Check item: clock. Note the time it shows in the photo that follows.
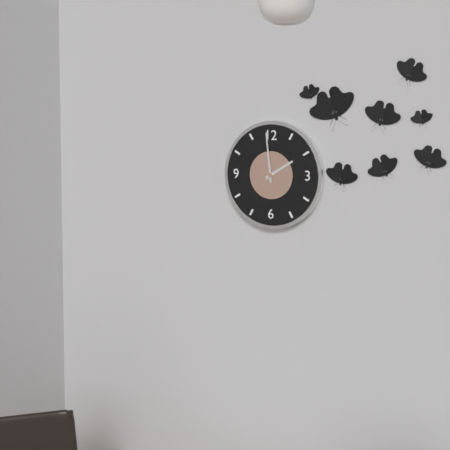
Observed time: 1:59
